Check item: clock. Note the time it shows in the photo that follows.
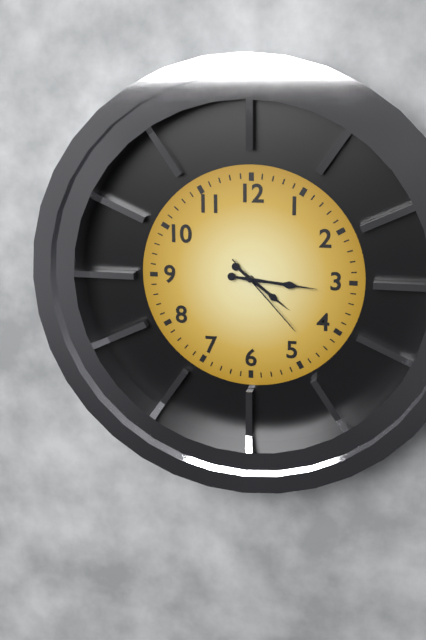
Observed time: 4:16:23
